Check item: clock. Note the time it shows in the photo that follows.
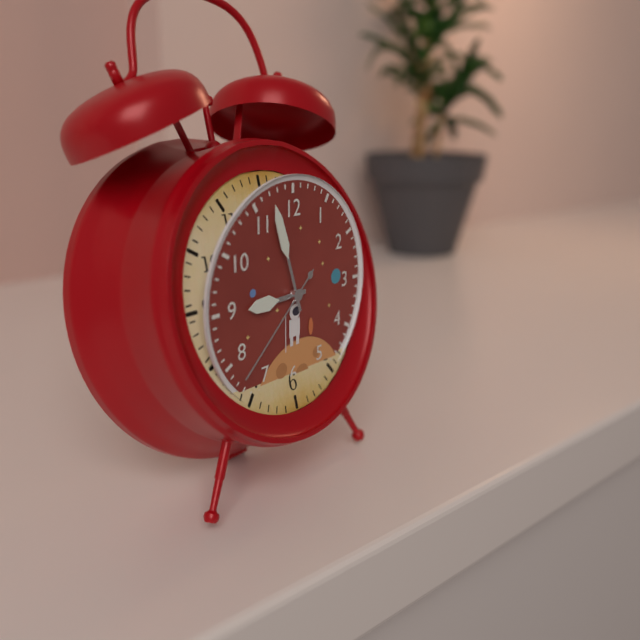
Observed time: 8:57:38
